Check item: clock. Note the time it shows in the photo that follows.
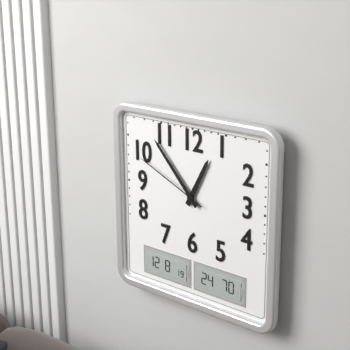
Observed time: 12:53:49
